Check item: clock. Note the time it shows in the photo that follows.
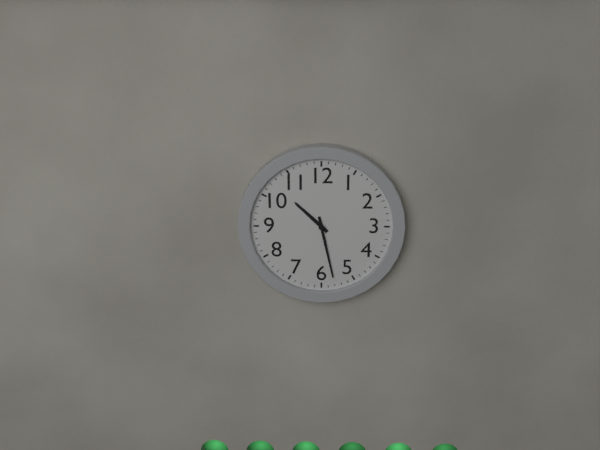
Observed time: 10:28
